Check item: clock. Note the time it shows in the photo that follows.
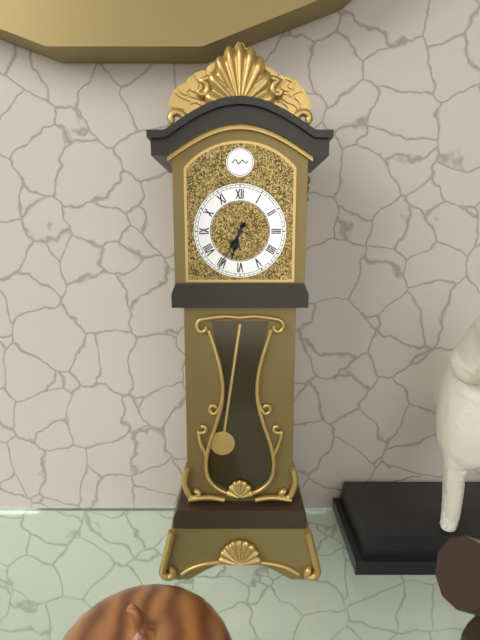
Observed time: 6:35
